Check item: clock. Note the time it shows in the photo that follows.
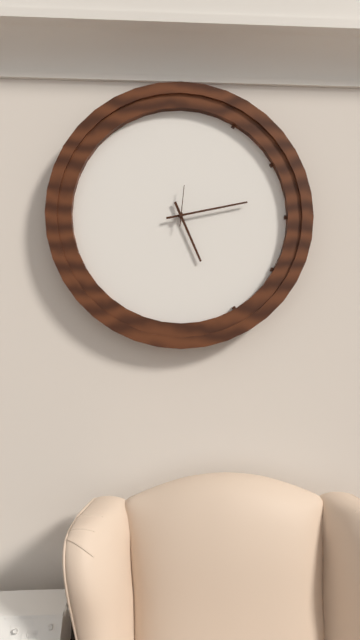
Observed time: 5:13
